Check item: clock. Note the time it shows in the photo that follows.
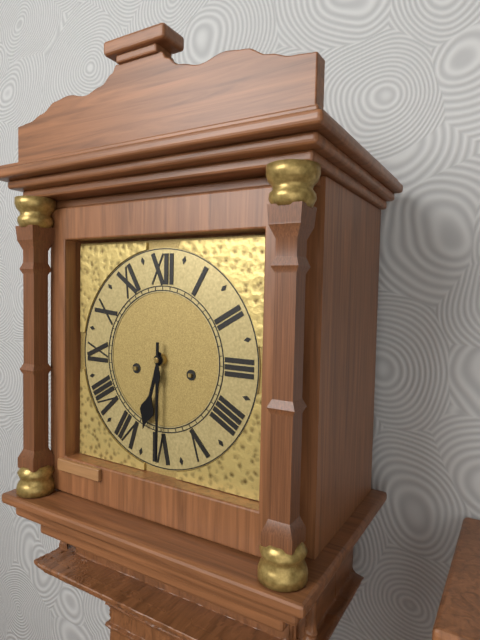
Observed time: 6:30
